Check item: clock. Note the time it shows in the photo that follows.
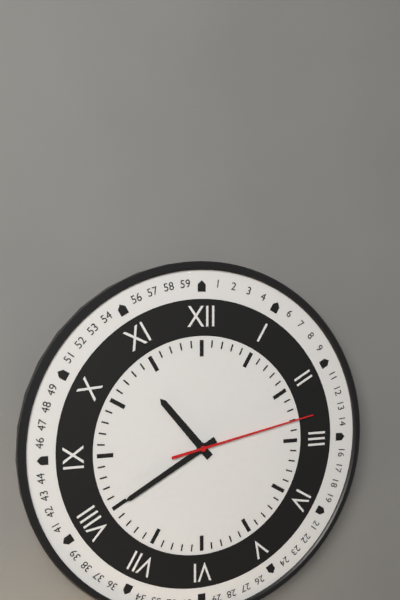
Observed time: 10:40:13
